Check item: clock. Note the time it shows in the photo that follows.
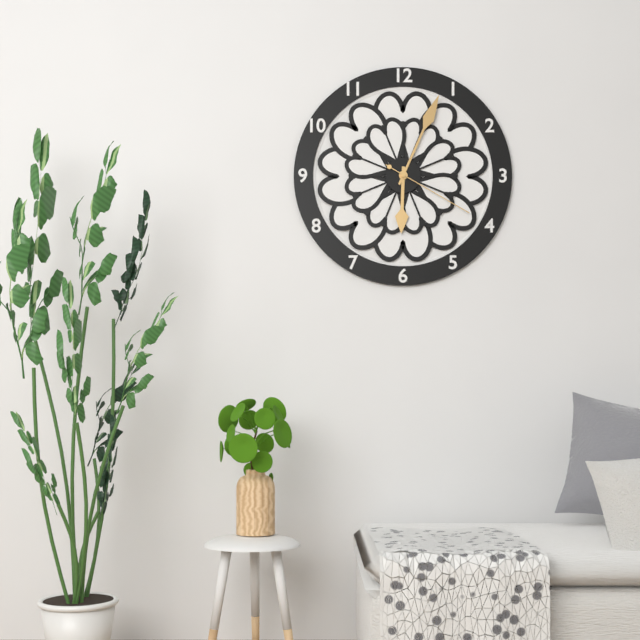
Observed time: 6:04:20
